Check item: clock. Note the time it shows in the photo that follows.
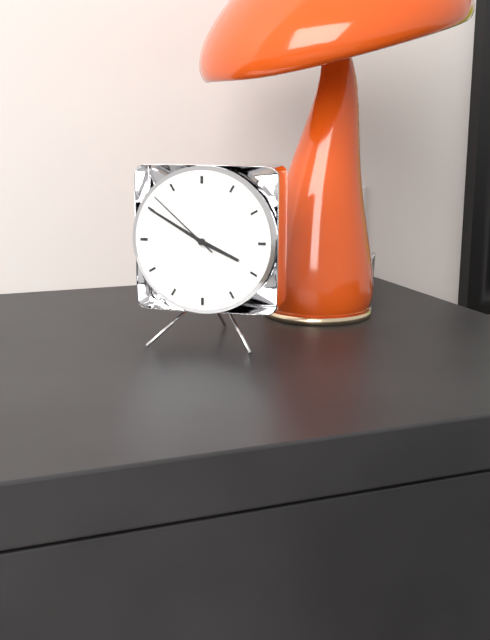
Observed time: 3:50:52
